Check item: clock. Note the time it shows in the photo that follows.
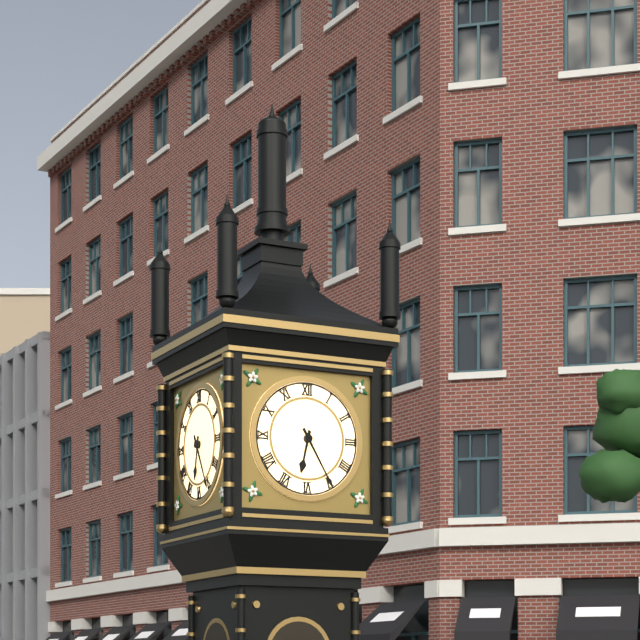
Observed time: 6:25
